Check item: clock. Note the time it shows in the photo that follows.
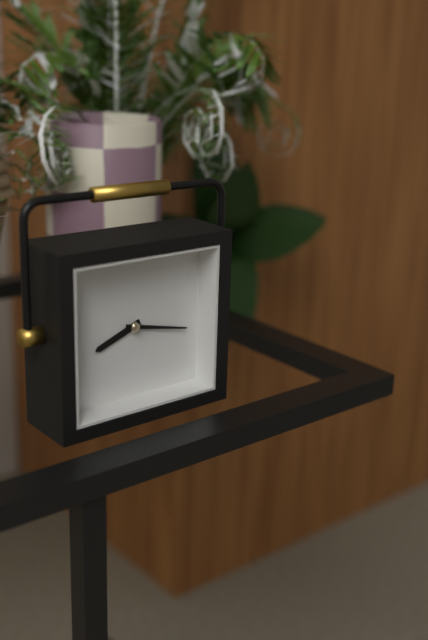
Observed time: 8:17
